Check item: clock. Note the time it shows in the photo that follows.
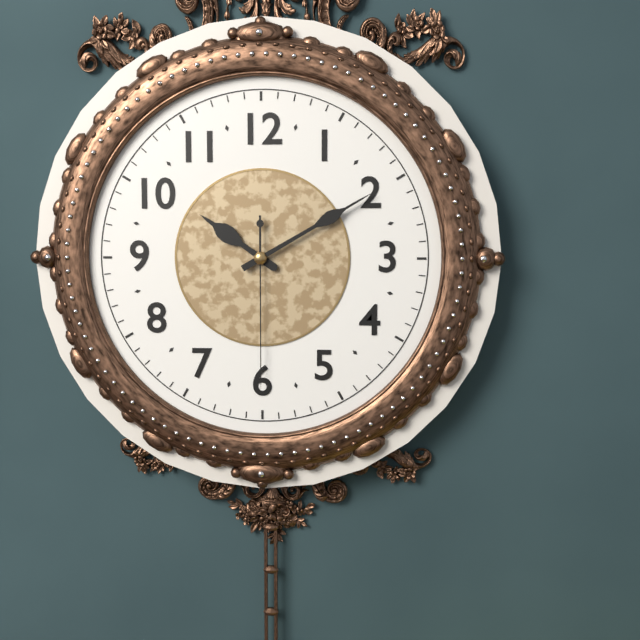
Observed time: 10:10:30
